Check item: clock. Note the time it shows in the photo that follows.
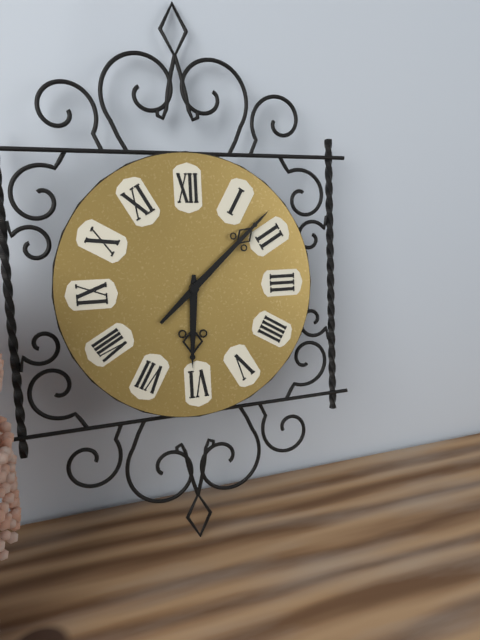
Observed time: 6:08
